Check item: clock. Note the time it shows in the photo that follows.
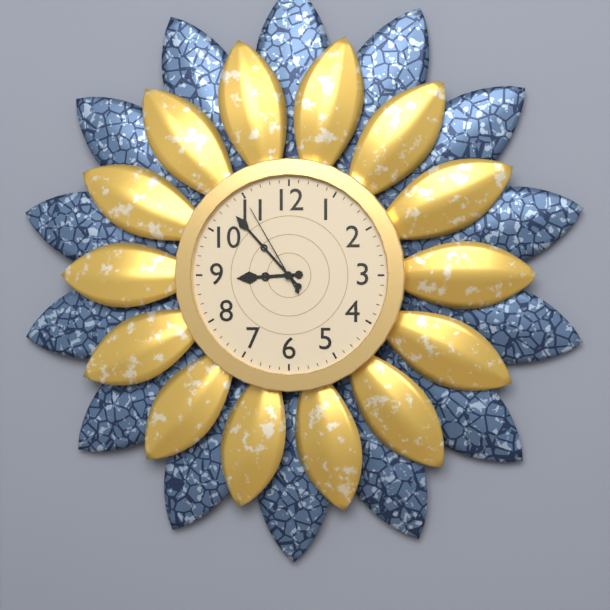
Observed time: 8:53:55
